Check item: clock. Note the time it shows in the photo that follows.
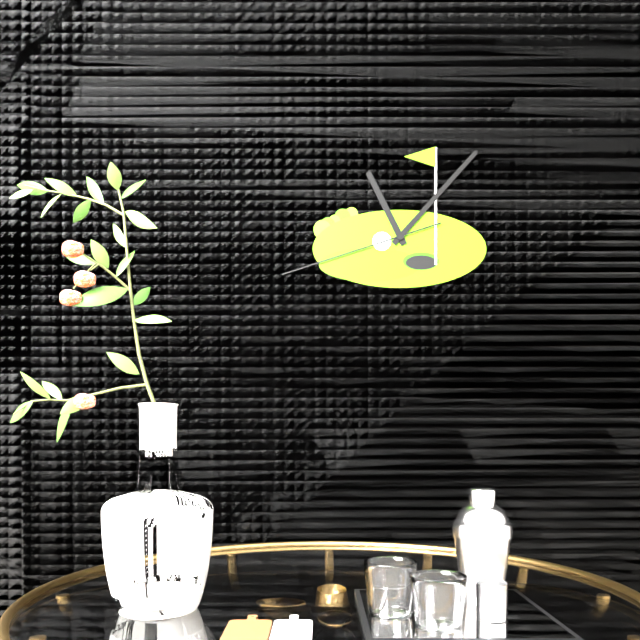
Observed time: 11:07:42
